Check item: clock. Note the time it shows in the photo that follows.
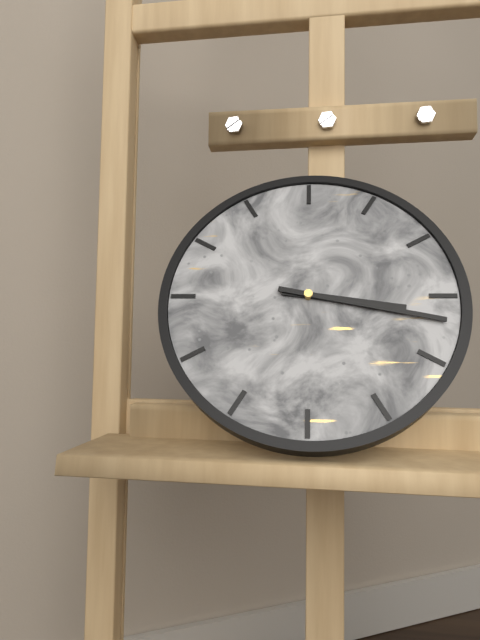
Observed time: 3:17
